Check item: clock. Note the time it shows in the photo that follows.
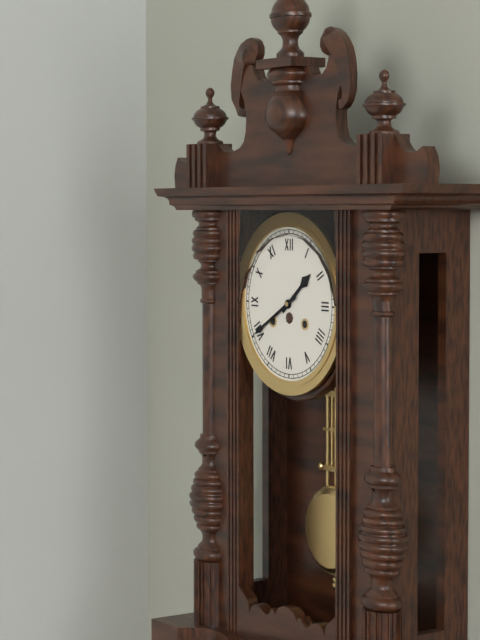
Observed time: 1:40
